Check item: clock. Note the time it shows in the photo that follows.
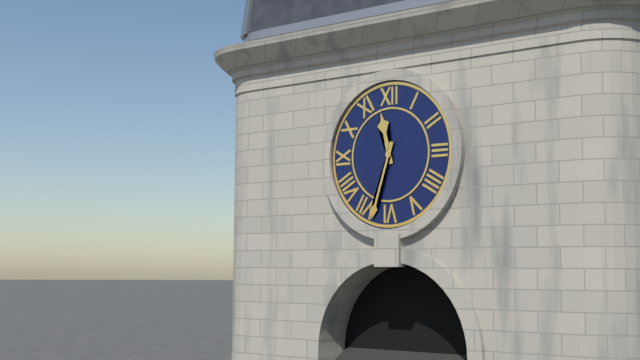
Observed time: 11:33
